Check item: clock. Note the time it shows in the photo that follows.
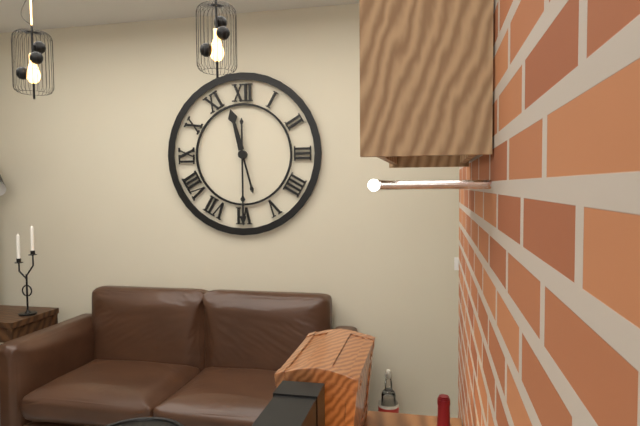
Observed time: 11:30
